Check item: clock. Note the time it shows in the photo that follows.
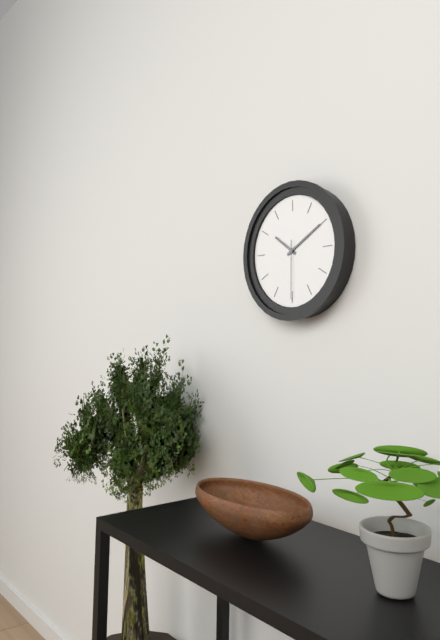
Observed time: 10:10:30
